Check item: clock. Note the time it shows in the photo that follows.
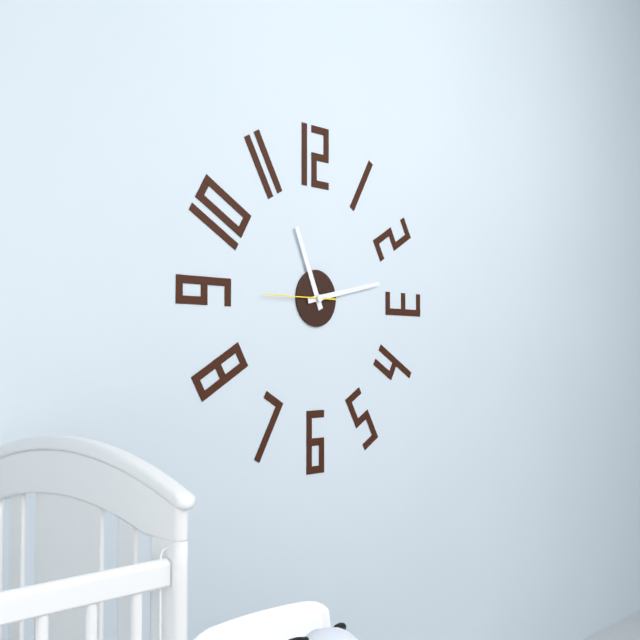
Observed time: 11:13:45
